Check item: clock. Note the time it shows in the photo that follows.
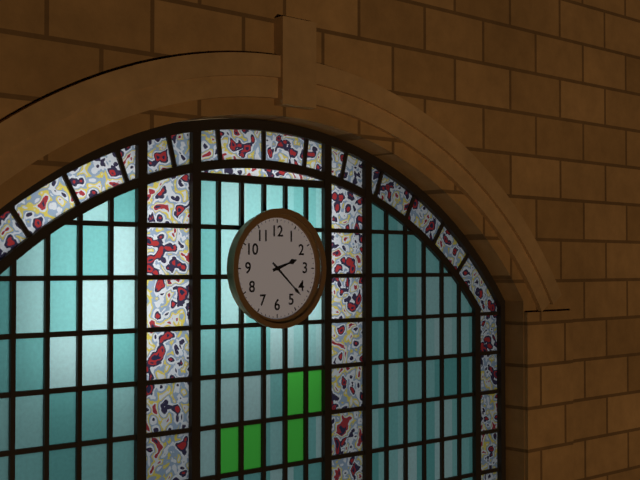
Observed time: 2:22
